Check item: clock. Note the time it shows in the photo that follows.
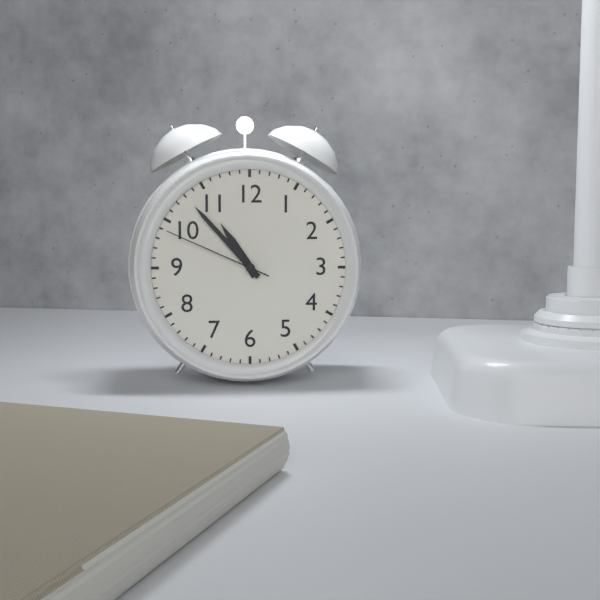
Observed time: 10:53:49
